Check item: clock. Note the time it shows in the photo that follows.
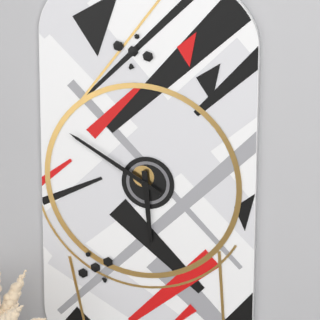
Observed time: 5:50
